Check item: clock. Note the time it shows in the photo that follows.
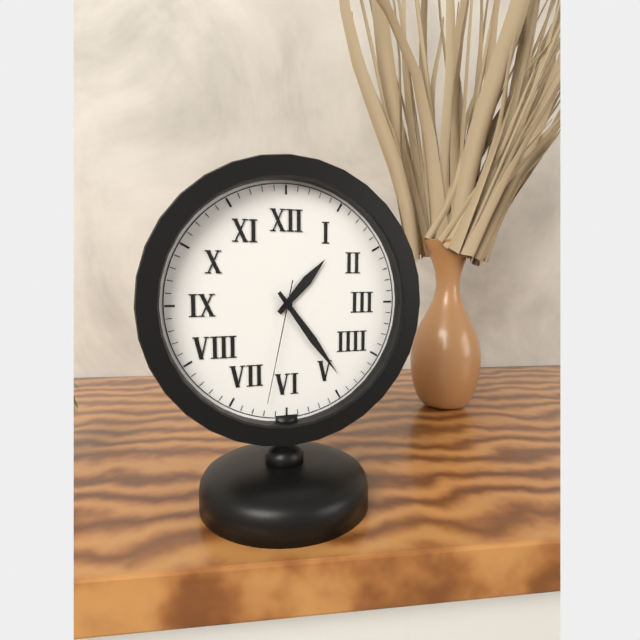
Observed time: 1:24:32
